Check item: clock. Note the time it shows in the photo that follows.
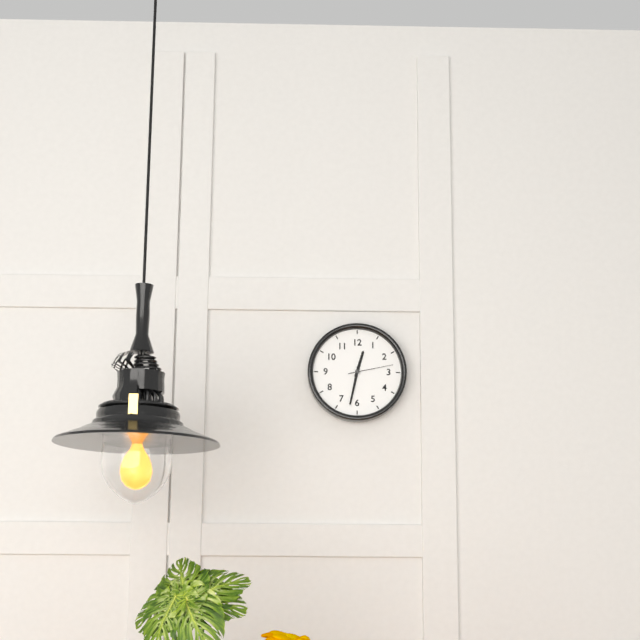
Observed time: 12:32
